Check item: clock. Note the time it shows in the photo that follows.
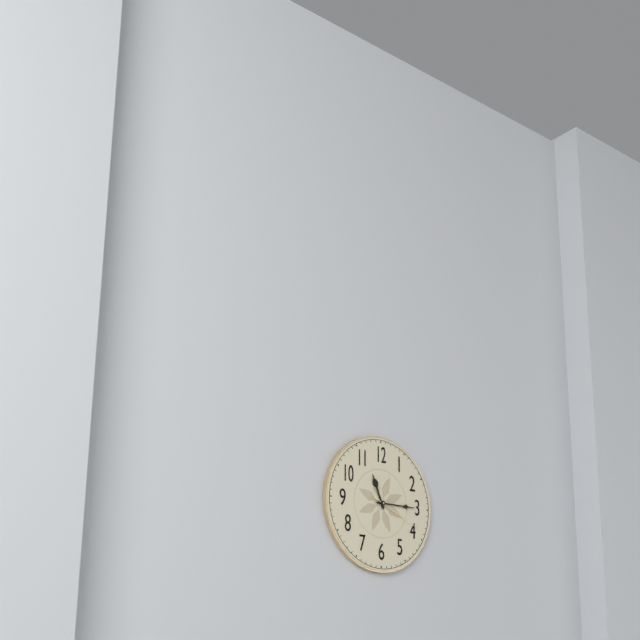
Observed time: 11:15:19
